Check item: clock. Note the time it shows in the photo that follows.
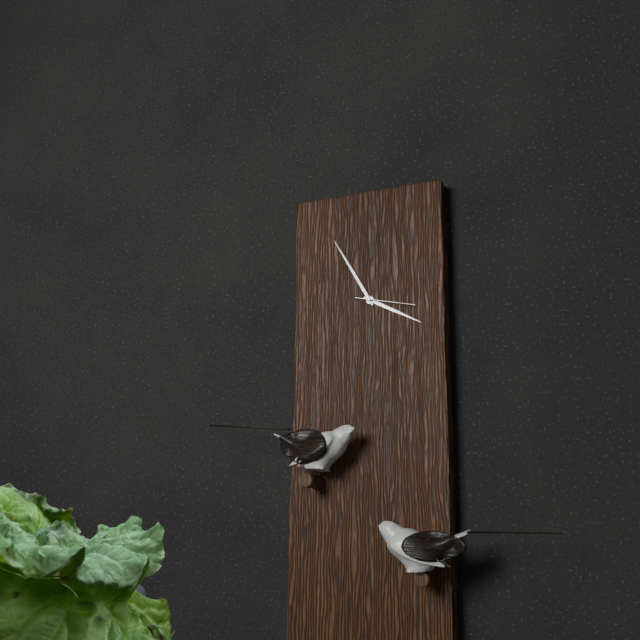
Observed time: 3:55:17
